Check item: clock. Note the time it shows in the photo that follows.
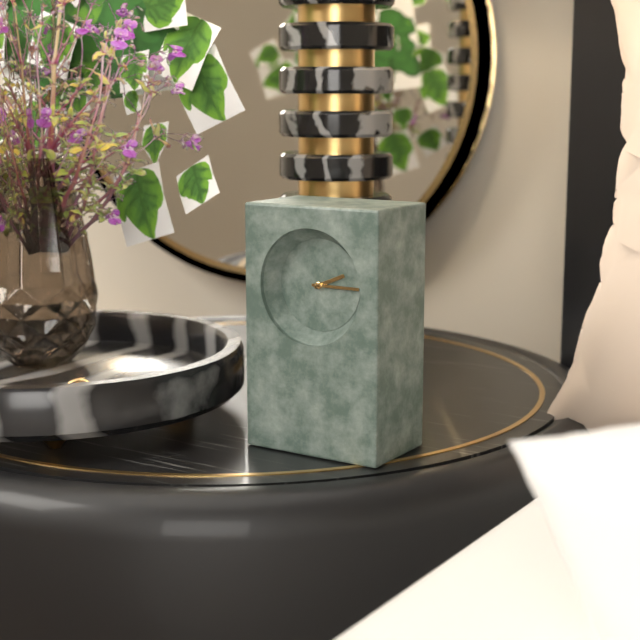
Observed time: 2:15
